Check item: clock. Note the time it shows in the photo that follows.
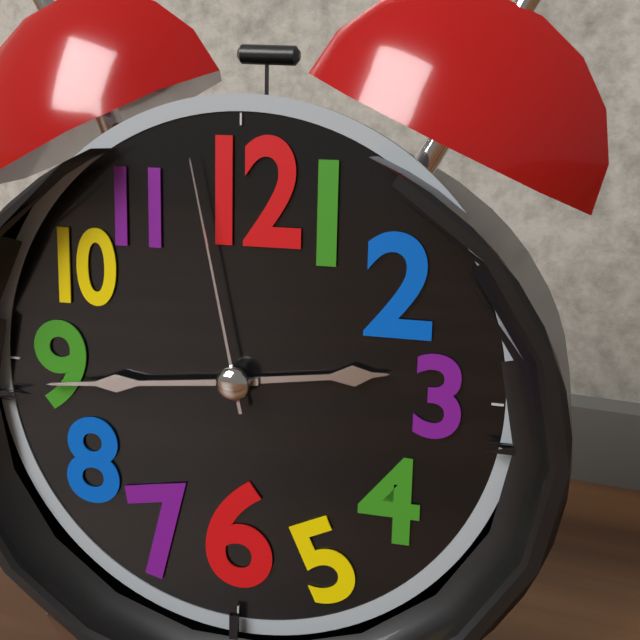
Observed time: 2:44:58
